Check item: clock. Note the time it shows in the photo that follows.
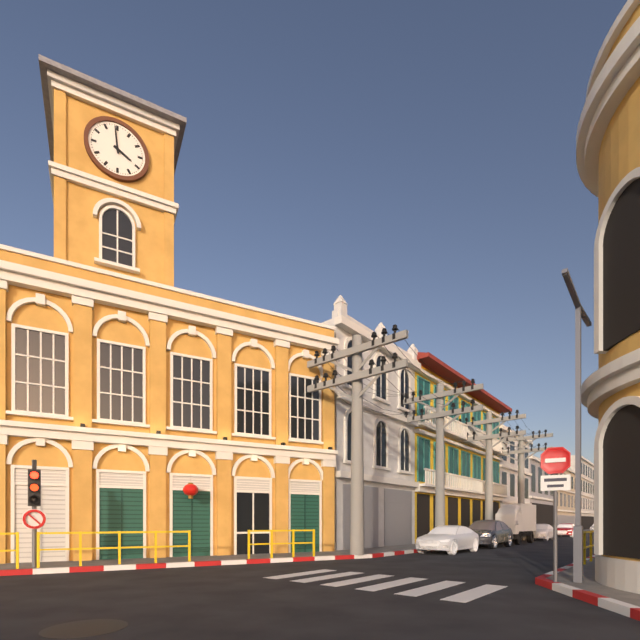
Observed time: 3:59
